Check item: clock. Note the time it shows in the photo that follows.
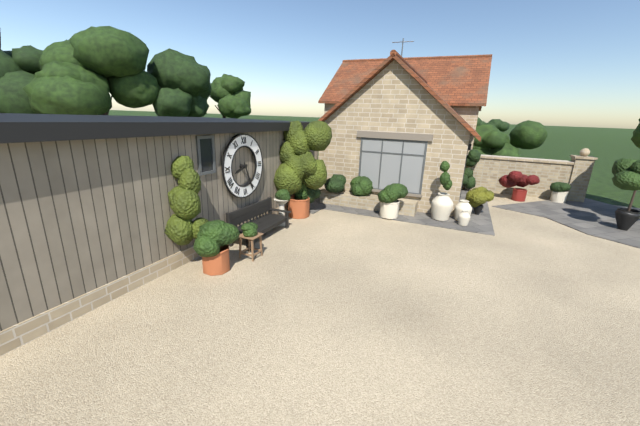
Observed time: 8:26
